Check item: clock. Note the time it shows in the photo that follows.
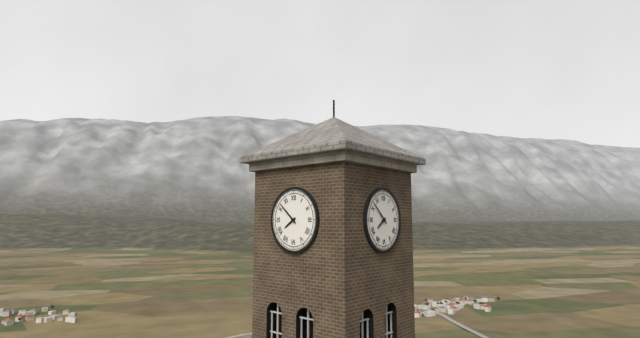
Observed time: 7:52
